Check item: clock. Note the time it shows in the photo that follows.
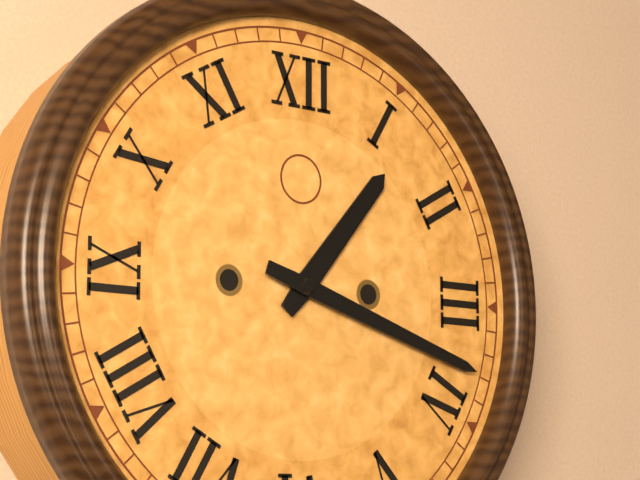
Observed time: 1:18
